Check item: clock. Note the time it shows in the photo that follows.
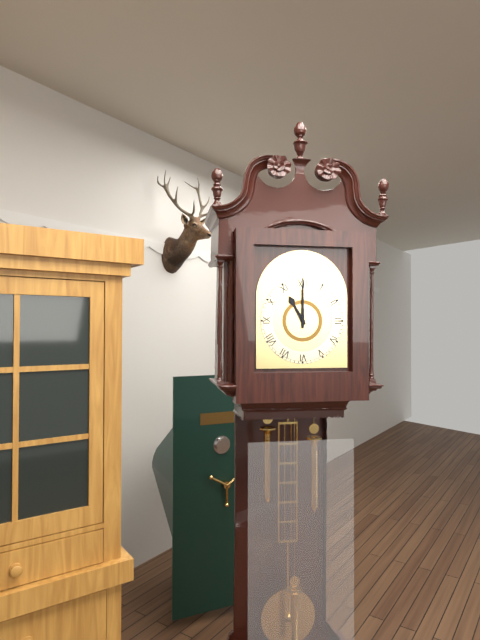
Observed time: 11:00
